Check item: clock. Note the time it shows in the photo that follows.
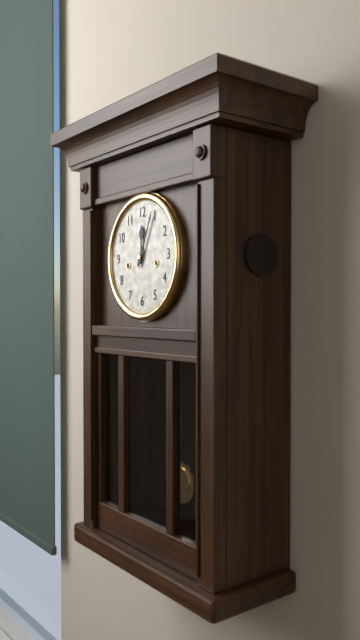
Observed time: 12:04
